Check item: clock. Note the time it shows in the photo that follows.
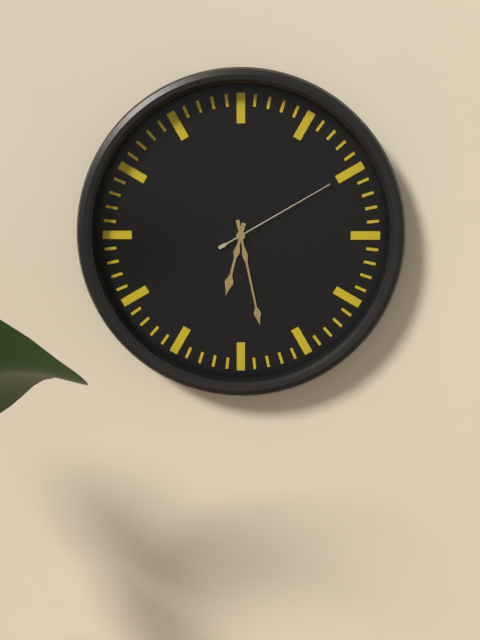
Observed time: 6:28:10
